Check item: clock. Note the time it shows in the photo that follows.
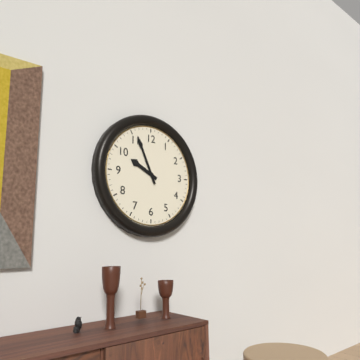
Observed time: 9:56
